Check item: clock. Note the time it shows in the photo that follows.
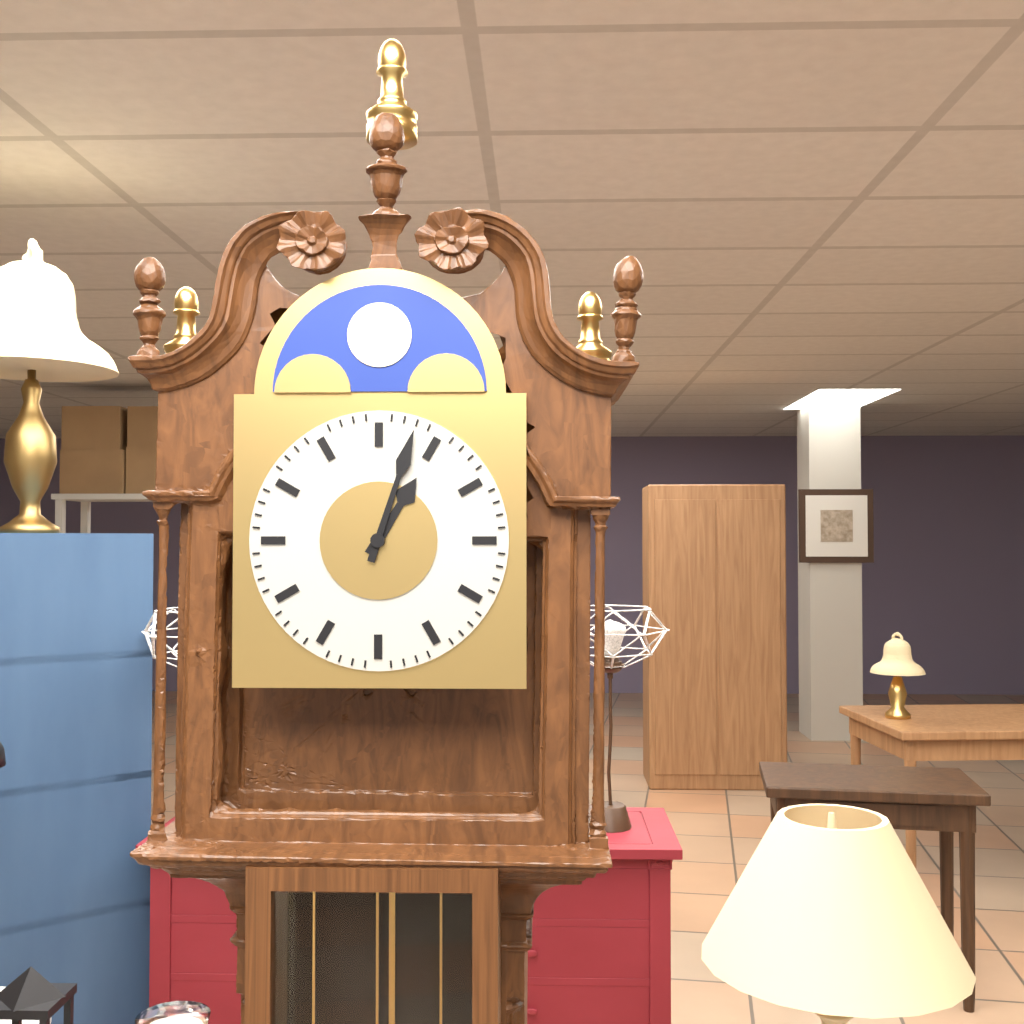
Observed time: 1:03
